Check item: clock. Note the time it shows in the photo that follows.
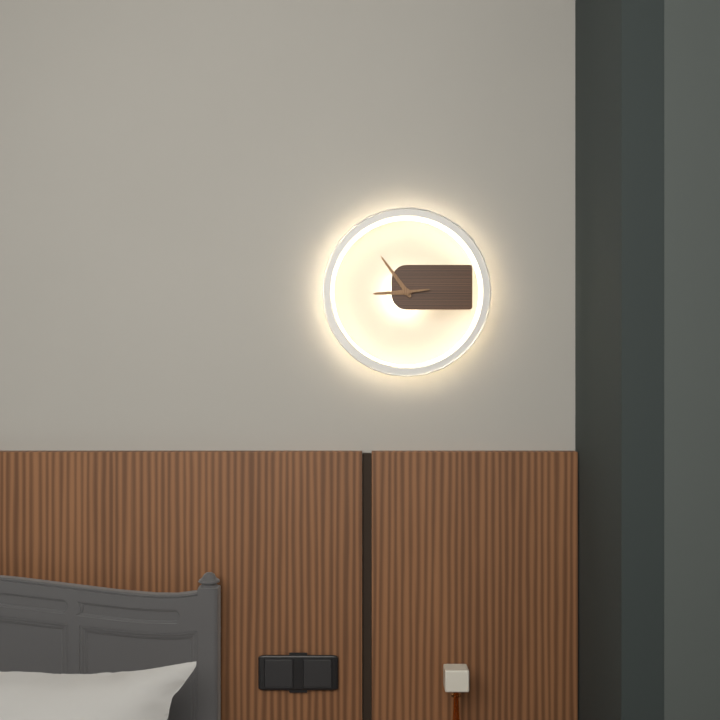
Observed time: 8:54
